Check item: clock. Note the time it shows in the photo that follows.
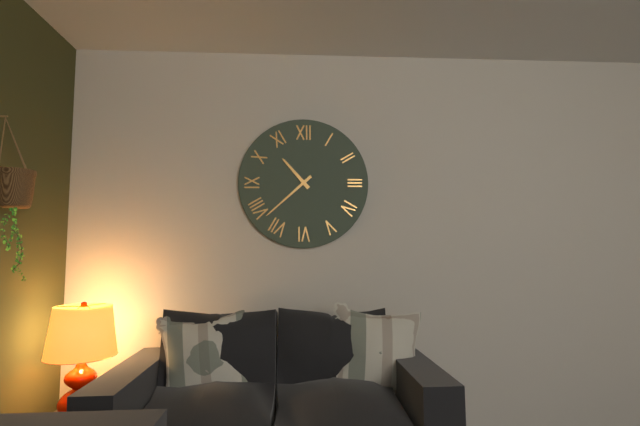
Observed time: 10:38
